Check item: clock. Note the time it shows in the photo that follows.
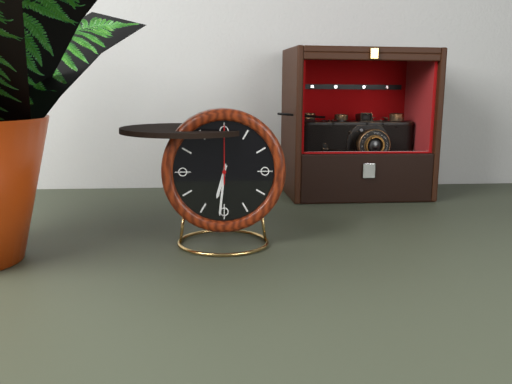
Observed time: 6:31:00
